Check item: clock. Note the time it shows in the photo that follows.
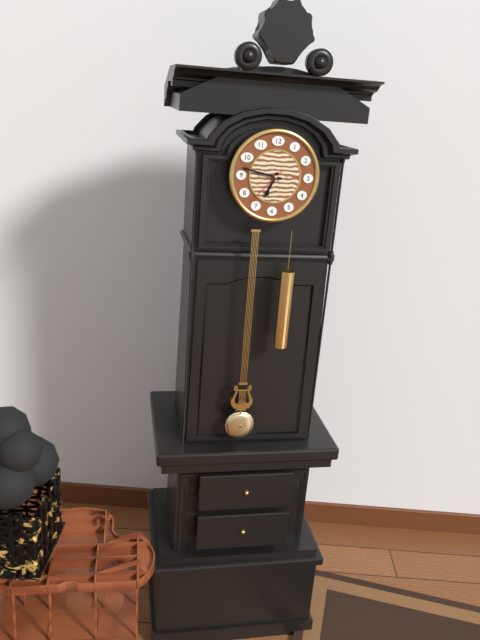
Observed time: 6:47
